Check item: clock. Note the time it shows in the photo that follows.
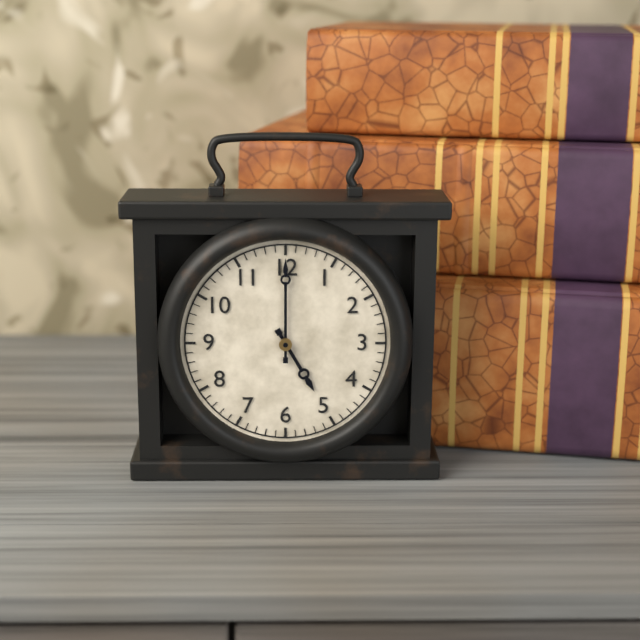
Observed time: 5:00
